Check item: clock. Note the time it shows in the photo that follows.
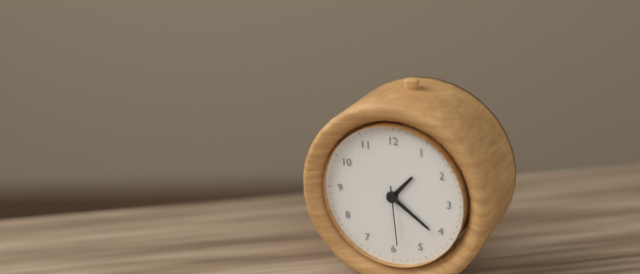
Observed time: 1:21:29
